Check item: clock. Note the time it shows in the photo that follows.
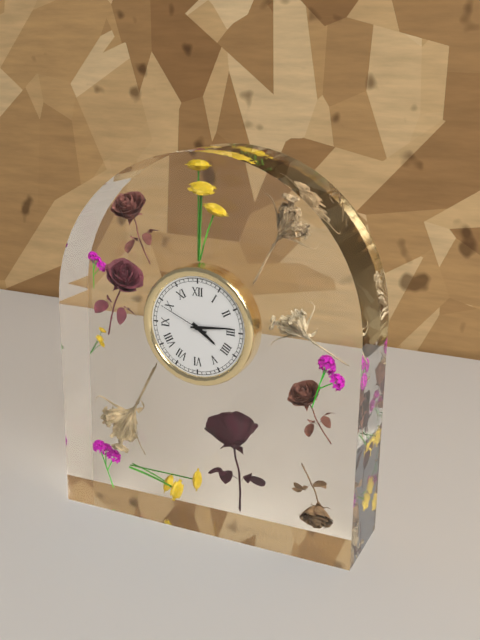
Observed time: 4:14:49
